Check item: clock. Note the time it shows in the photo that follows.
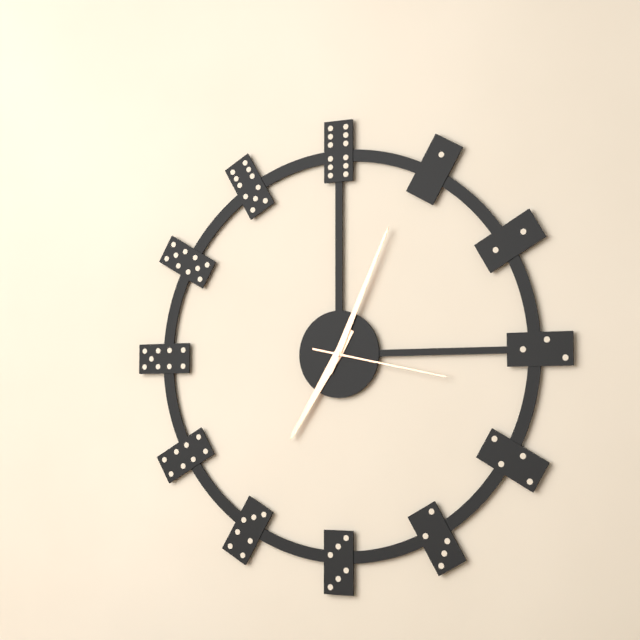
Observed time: 7:04:17
